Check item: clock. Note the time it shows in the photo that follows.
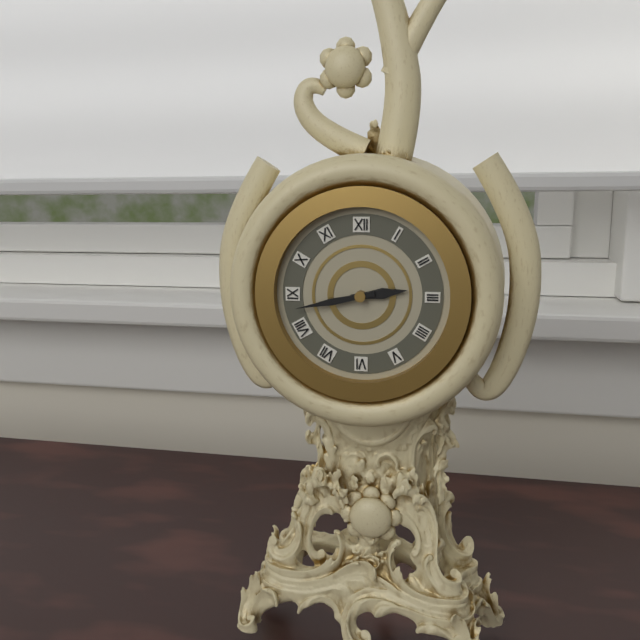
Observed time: 2:43
